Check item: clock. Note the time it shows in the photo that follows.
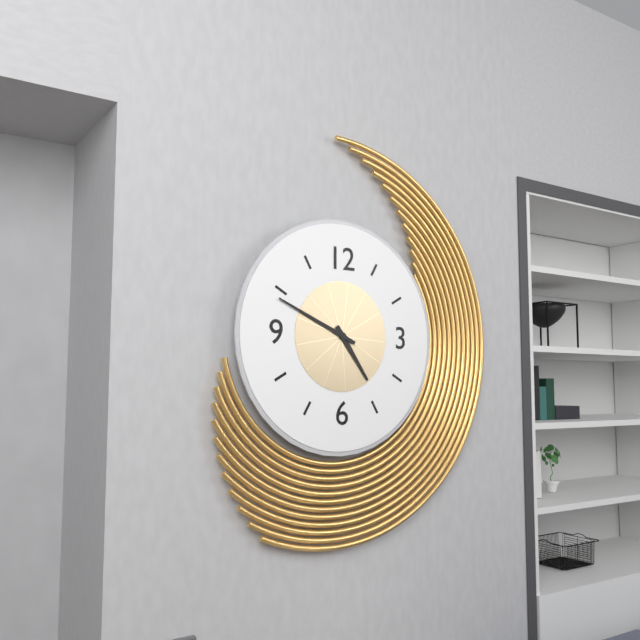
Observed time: 4:49
